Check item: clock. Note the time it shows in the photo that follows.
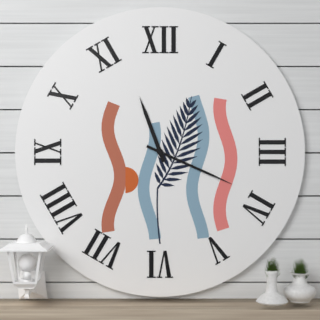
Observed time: 11:19
